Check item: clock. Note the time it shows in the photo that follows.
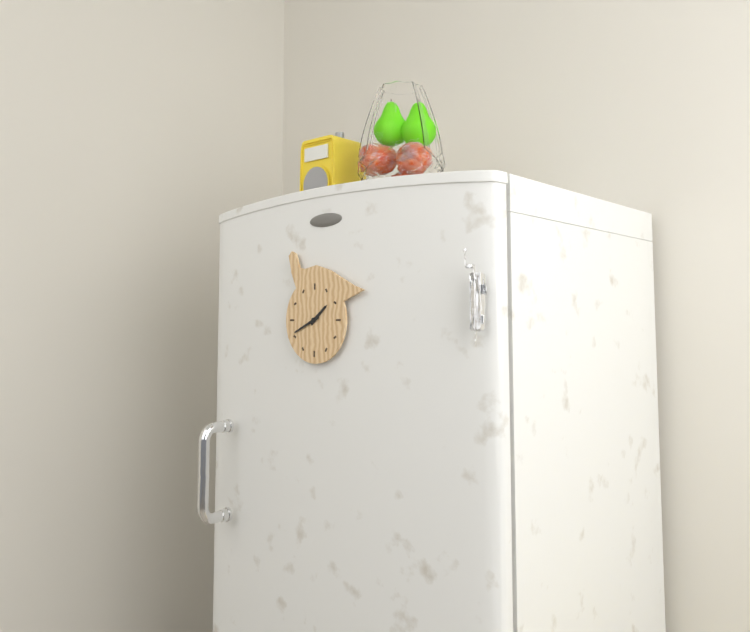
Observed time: 1:41
